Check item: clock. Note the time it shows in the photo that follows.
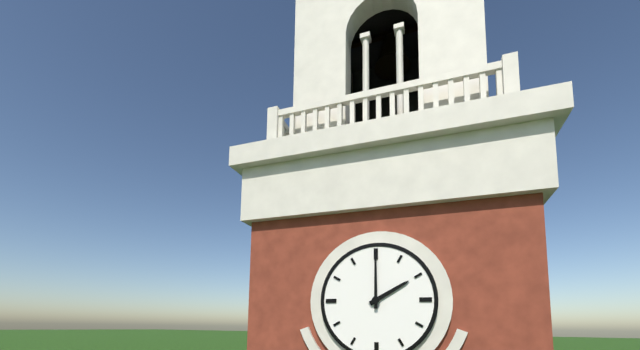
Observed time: 2:00
